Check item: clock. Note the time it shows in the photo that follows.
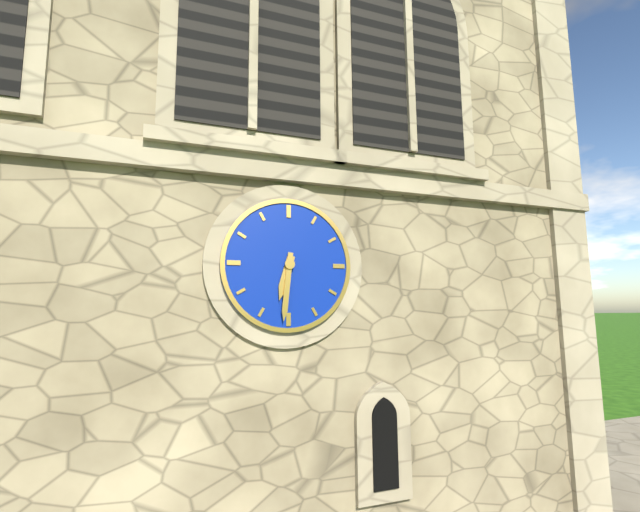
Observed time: 6:31
